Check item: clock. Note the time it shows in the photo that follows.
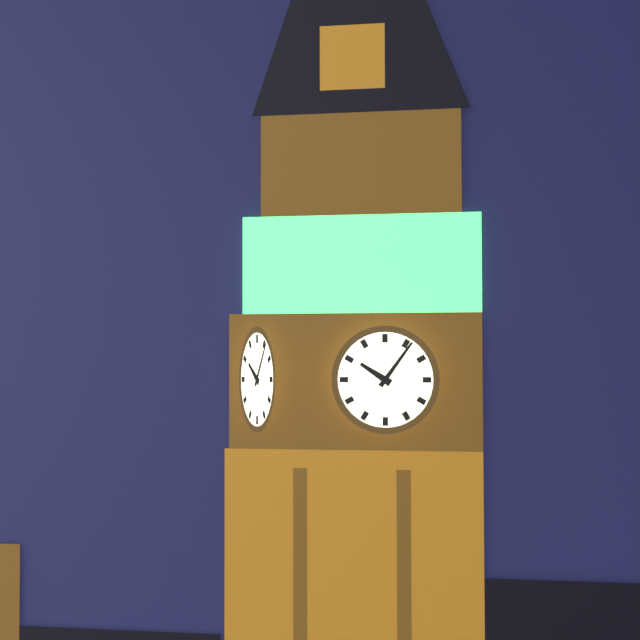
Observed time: 10:06
